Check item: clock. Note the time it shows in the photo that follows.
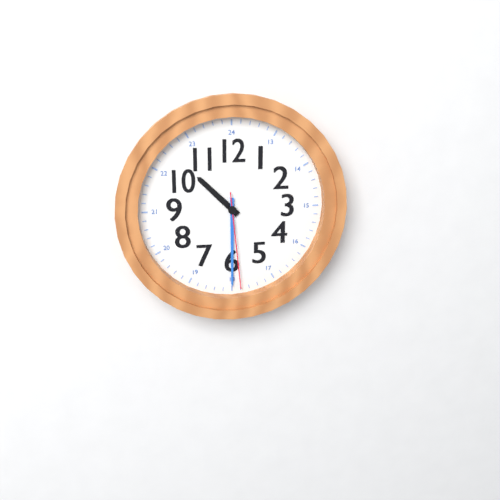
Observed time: 10:30:29
